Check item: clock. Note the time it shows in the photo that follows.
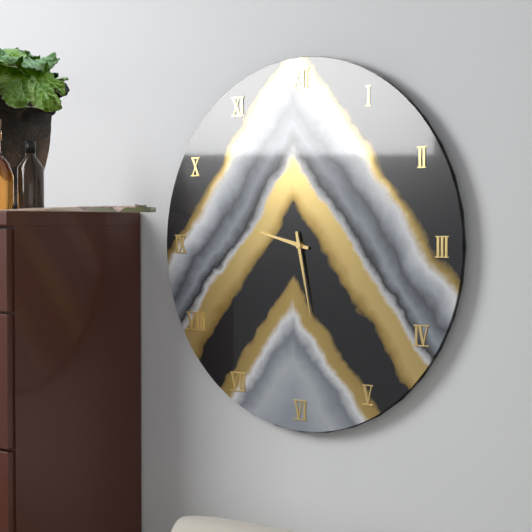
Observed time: 9:28
